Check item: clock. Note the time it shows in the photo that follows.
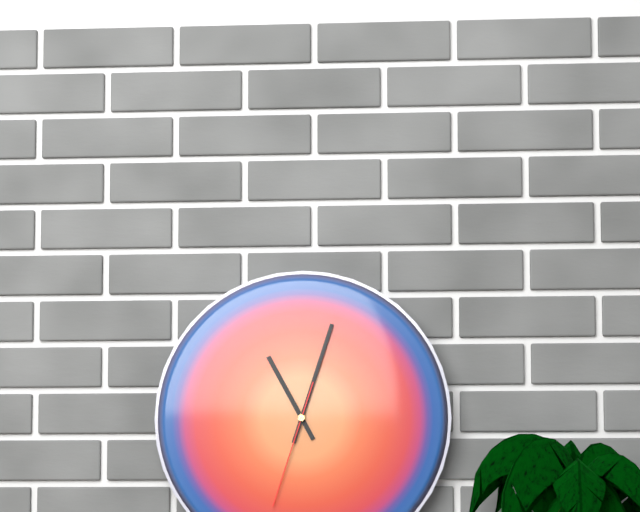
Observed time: 11:03:33
